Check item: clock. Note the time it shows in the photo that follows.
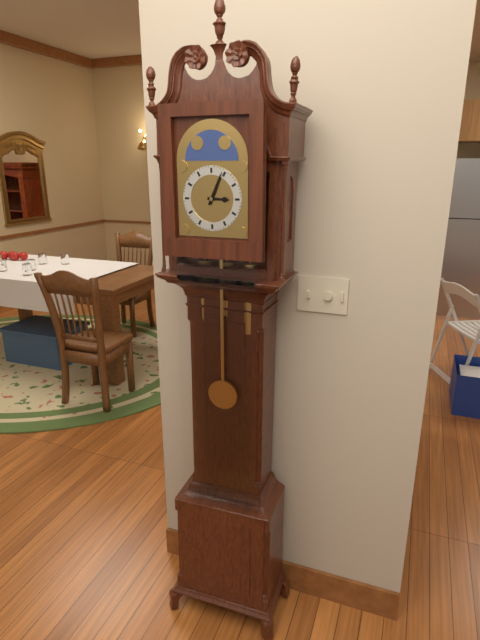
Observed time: 3:04
